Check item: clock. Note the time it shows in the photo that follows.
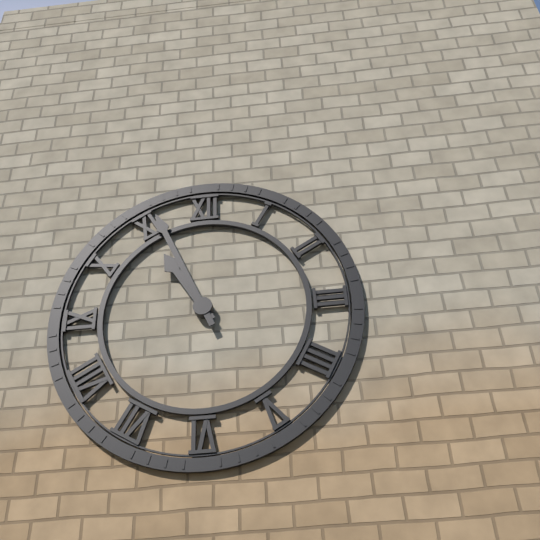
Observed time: 10:56
